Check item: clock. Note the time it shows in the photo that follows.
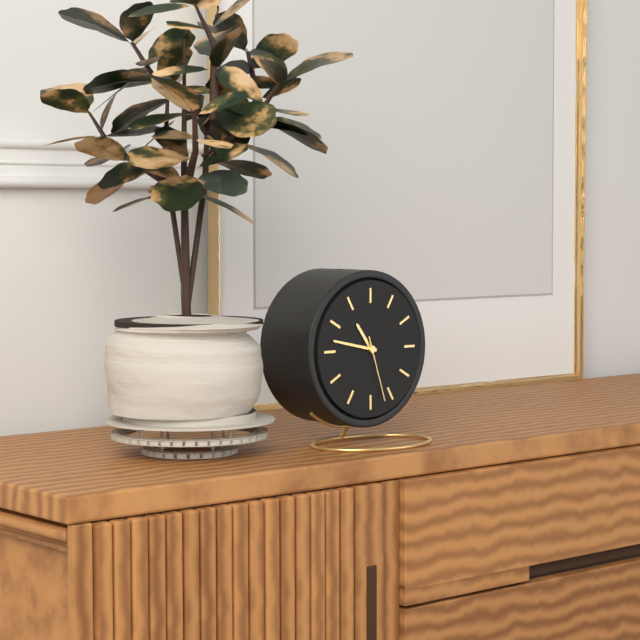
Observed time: 10:47:27
